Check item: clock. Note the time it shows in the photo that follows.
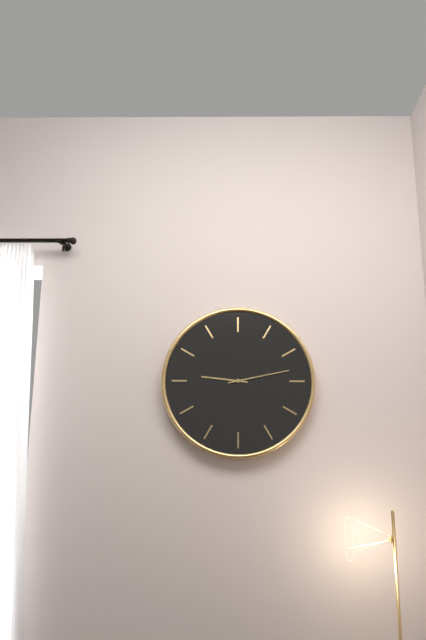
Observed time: 9:13
